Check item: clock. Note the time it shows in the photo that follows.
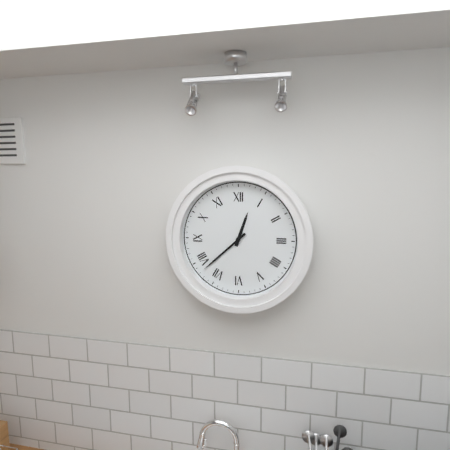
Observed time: 12:38
